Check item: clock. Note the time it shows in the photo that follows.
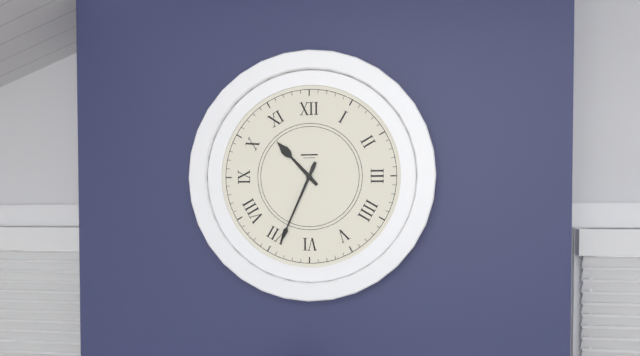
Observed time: 10:34
